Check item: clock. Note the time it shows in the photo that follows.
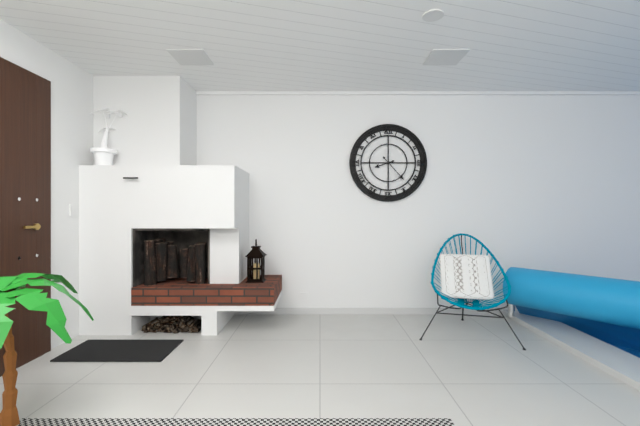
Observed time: 8:23
